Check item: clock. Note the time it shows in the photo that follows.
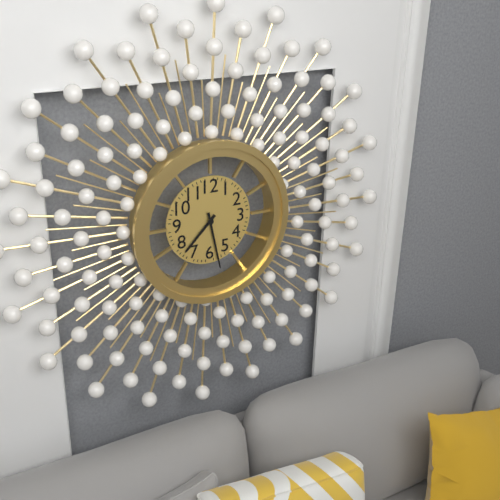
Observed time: 7:28
